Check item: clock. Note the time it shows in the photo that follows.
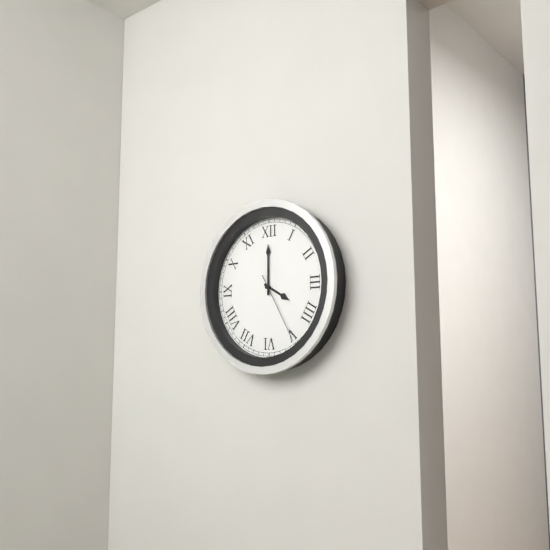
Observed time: 4:00:25
